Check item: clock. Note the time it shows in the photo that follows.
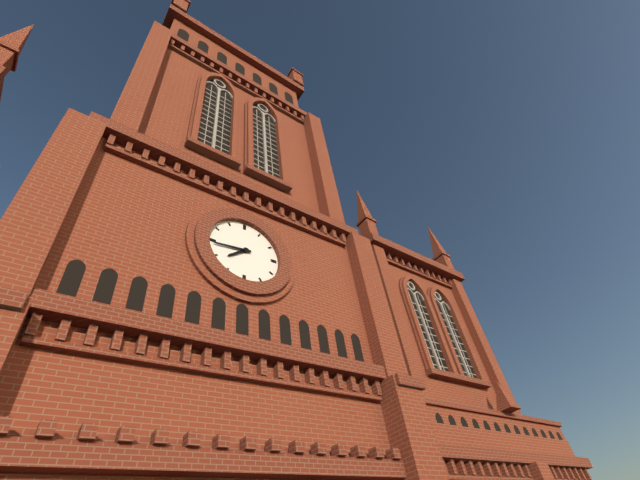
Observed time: 7:44
